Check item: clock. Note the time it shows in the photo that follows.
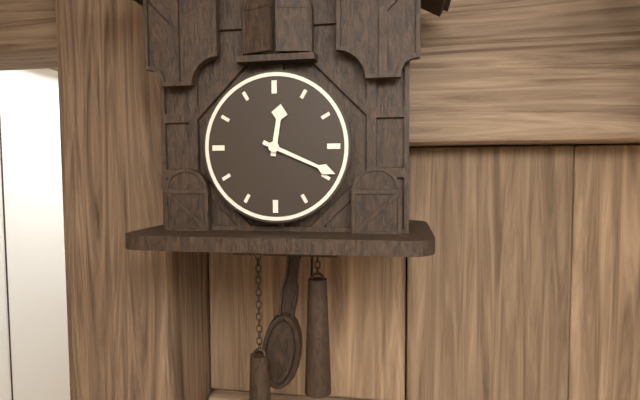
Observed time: 12:19
